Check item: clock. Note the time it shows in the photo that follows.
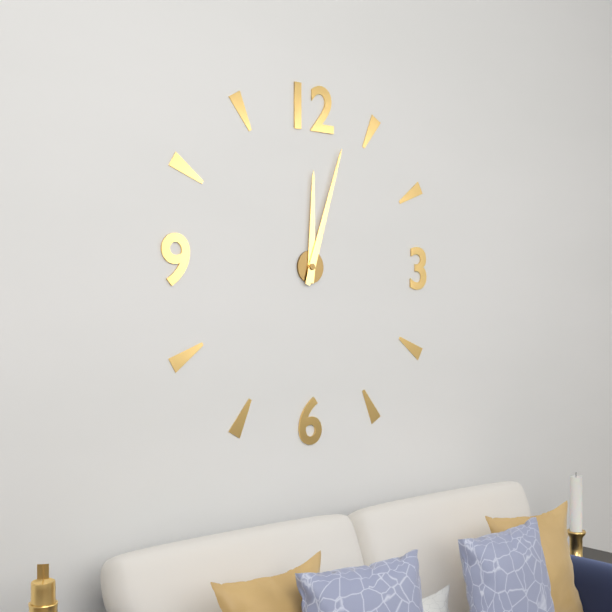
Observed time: 12:03
